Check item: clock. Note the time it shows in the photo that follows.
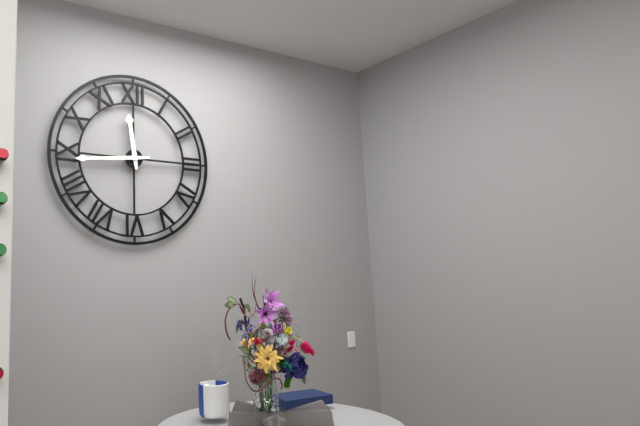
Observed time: 11:44
